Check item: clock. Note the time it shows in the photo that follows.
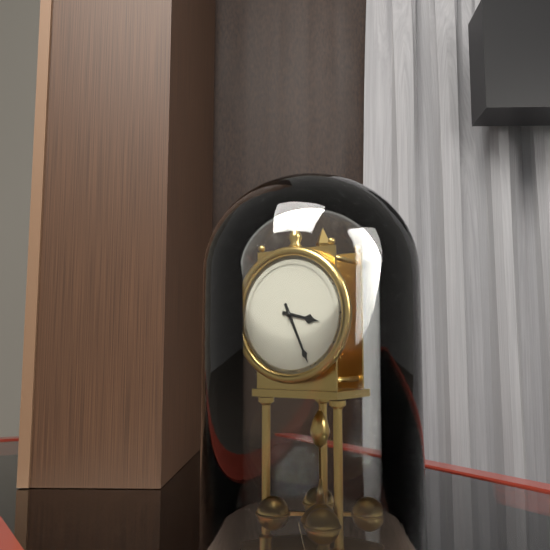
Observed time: 3:26
